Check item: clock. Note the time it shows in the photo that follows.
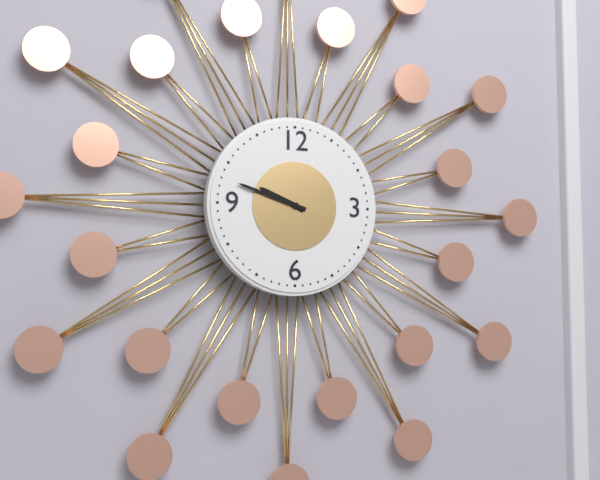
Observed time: 9:48
